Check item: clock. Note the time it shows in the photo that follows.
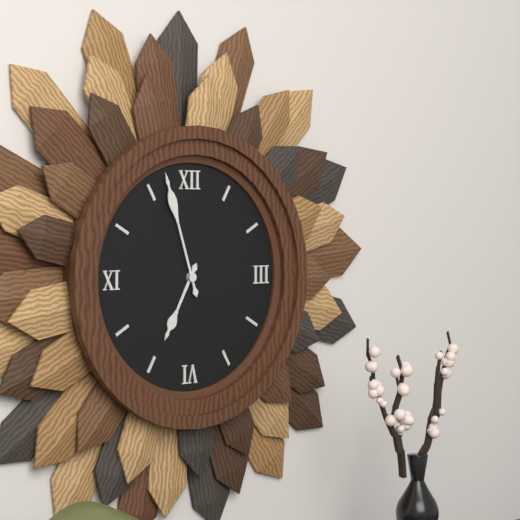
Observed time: 6:57
